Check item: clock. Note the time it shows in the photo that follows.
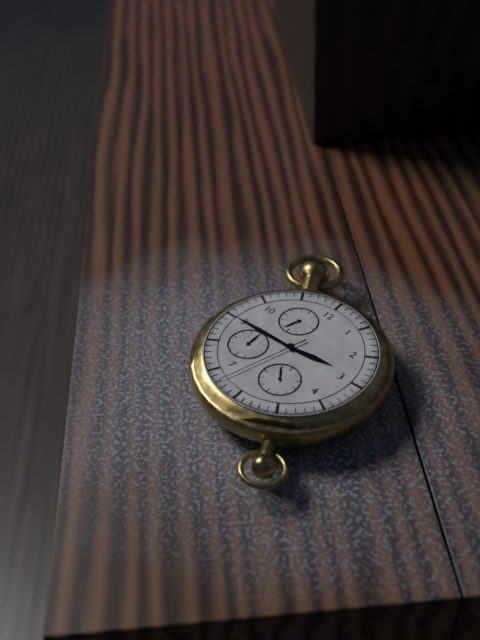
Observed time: 2:45:33
